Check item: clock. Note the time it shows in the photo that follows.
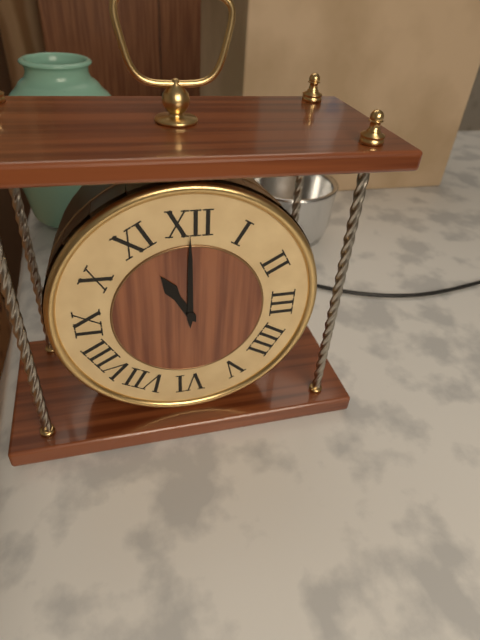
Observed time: 11:00
